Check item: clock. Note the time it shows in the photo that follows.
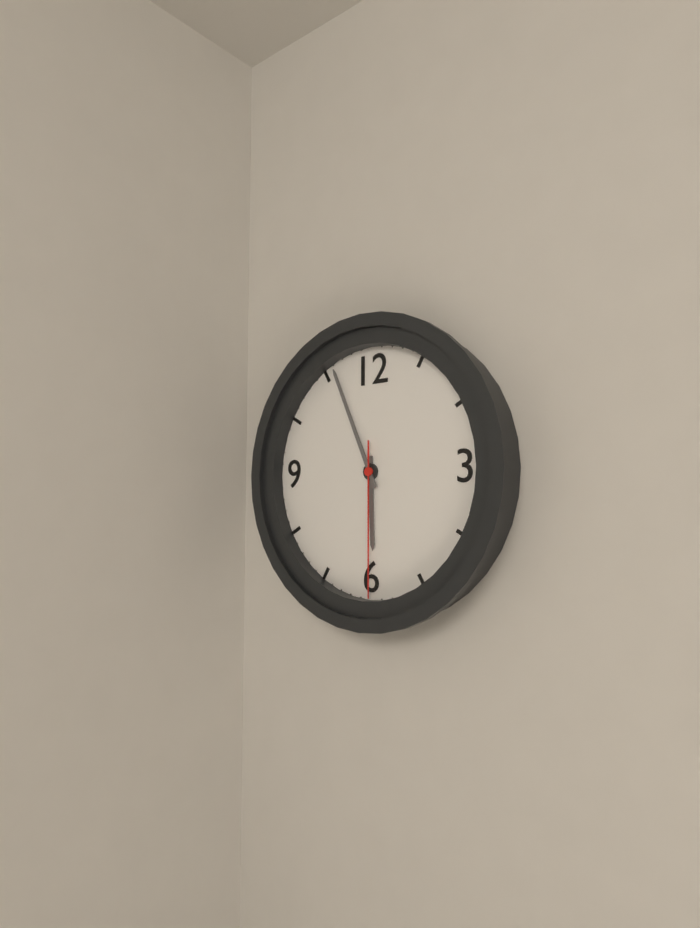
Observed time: 5:56:30
